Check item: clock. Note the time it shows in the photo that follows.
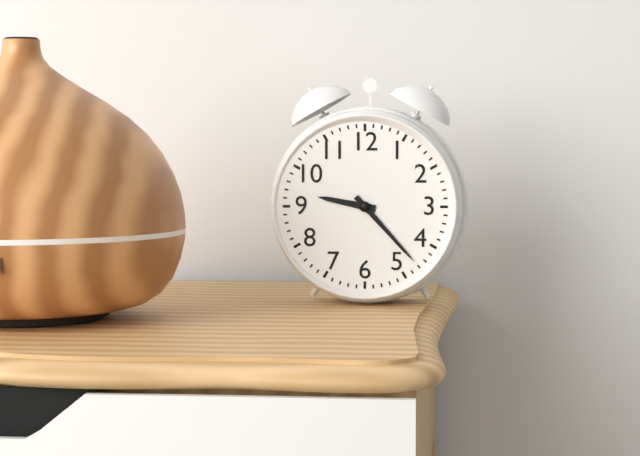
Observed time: 9:23
